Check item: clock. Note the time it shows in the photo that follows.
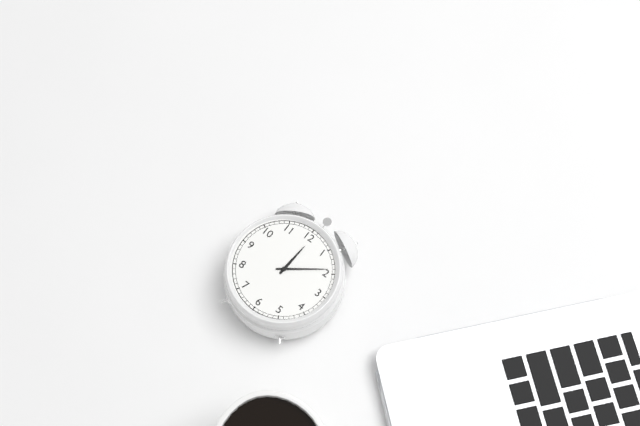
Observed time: 12:09
